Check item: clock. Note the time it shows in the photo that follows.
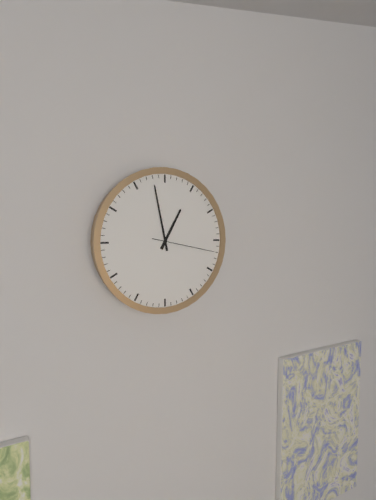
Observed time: 12:58:17
